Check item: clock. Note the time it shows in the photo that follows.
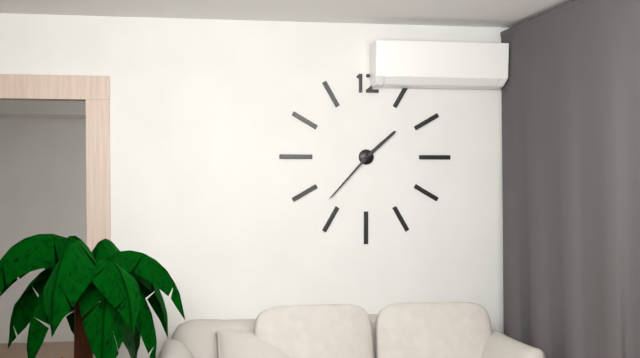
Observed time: 1:37
